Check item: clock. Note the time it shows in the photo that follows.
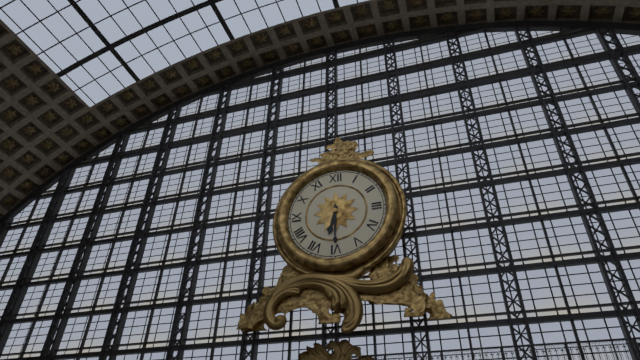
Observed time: 6:30
